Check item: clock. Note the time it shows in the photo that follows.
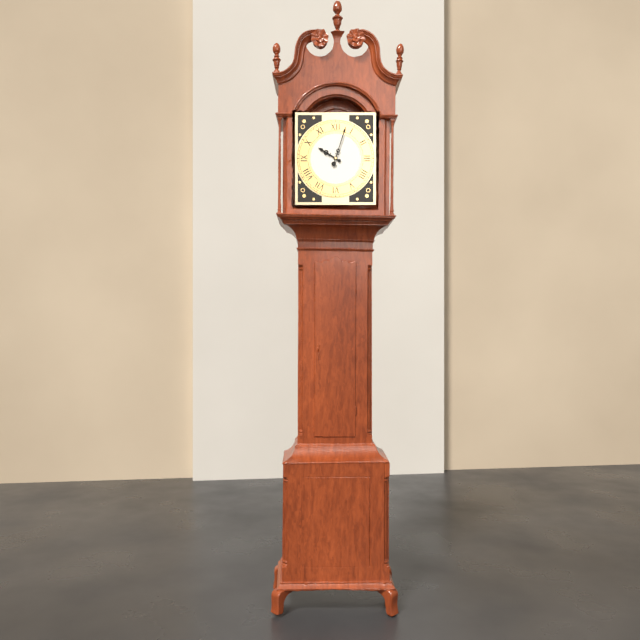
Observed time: 10:03
